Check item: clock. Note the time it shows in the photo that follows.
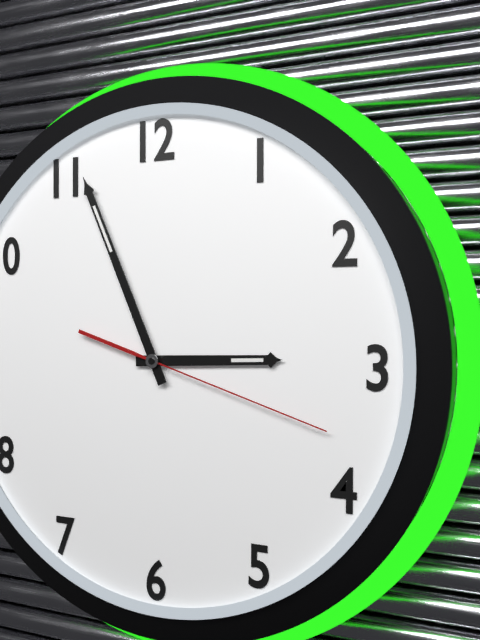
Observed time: 2:56:18
